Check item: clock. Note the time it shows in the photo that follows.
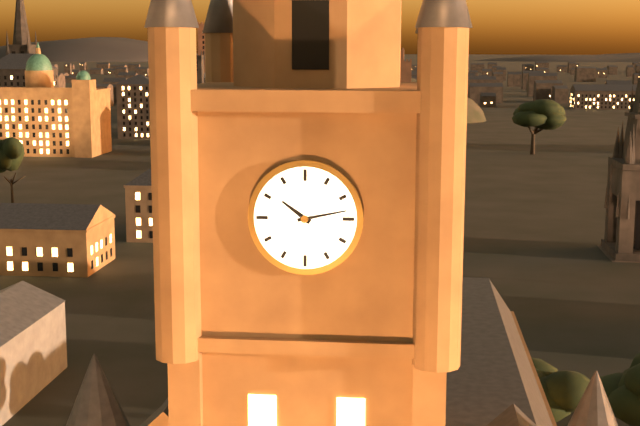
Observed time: 10:13
